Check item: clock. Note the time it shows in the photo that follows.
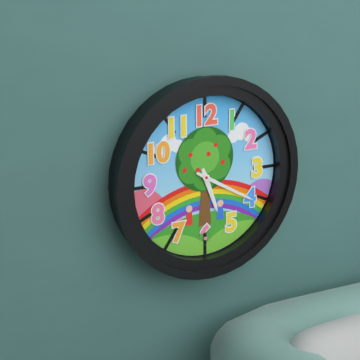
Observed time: 5:20
